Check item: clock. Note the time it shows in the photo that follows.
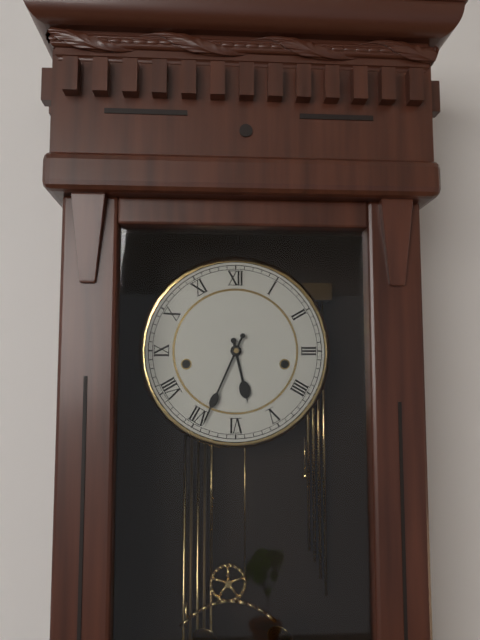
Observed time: 5:34
